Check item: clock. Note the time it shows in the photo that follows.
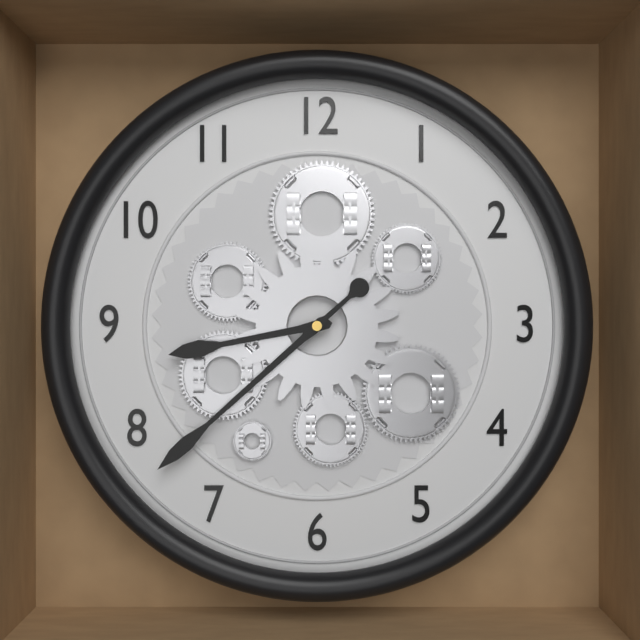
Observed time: 8:38
